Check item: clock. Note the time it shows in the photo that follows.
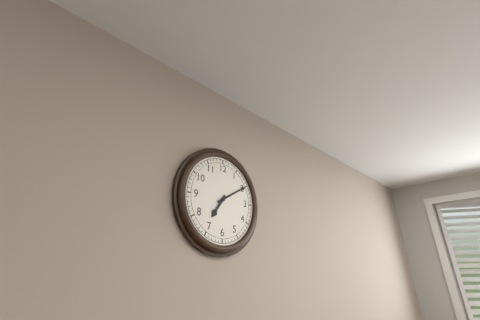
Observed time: 7:10
